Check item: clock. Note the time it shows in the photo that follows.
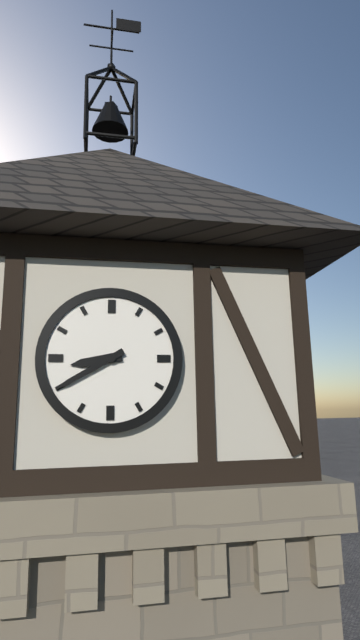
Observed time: 8:40
